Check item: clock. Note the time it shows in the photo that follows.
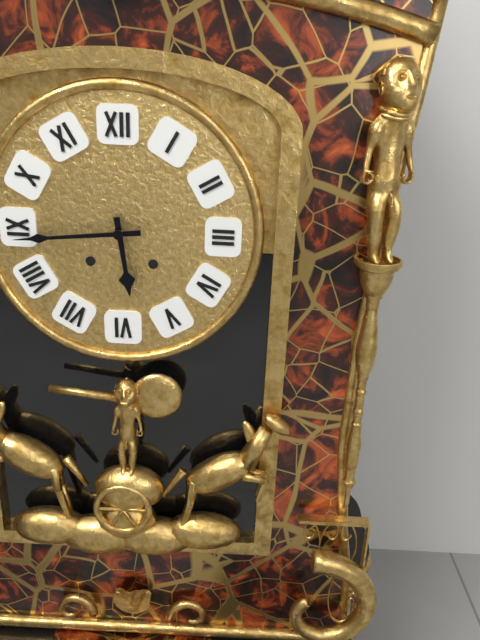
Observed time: 5:44
